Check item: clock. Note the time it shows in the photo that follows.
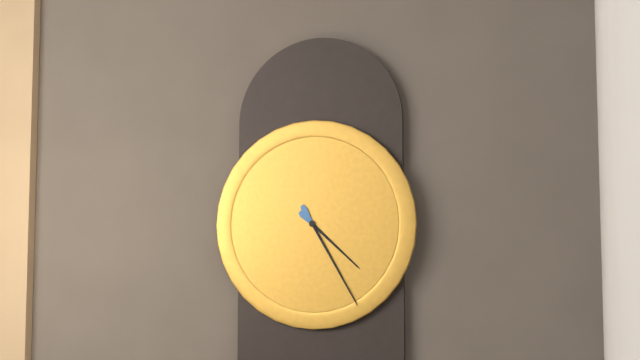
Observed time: 4:25
